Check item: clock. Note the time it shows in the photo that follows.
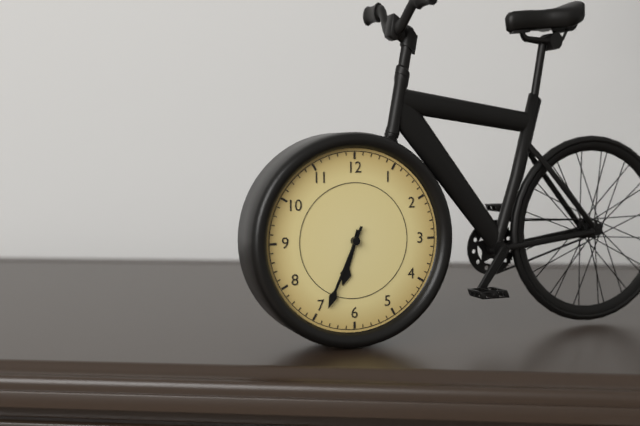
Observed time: 6:34
